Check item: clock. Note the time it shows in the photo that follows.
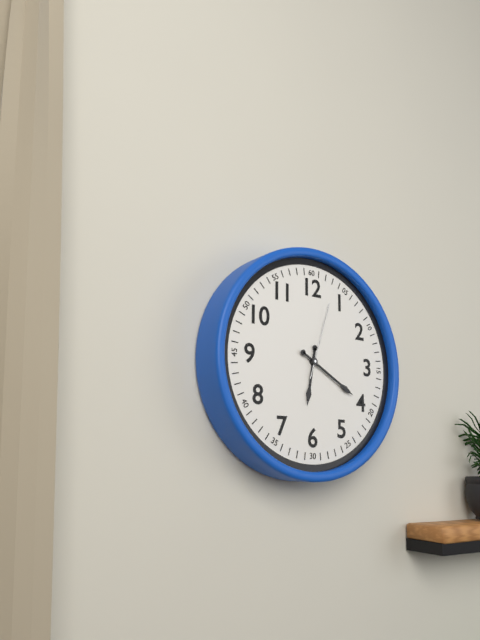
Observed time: 6:20:03
